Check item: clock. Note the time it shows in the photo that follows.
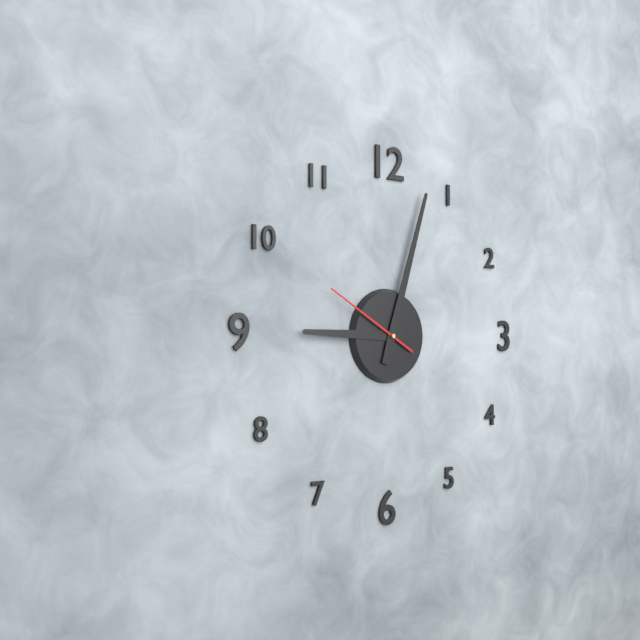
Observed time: 9:03:50
